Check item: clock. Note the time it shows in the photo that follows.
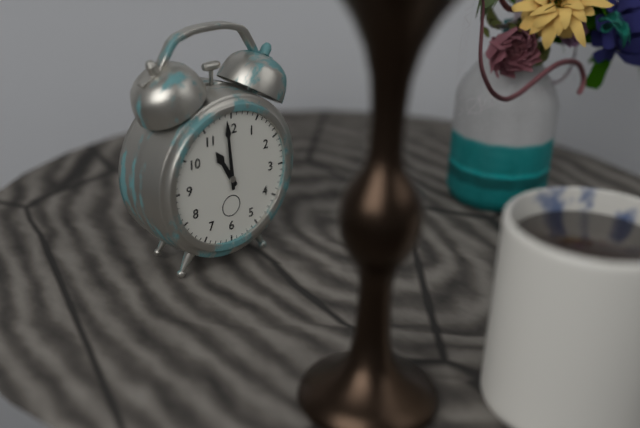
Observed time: 10:59
